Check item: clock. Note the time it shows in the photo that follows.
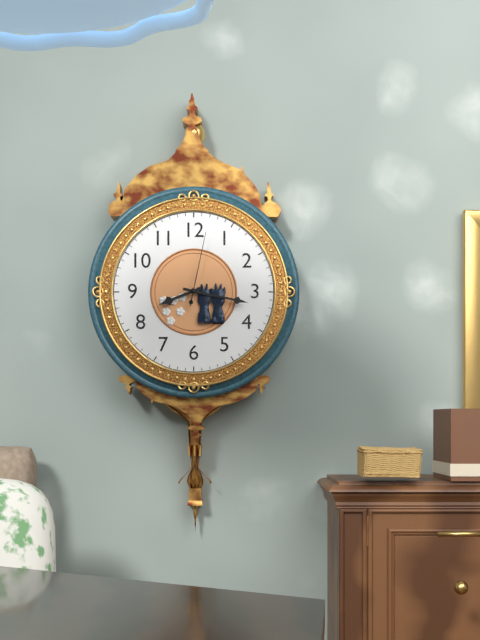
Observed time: 8:17:02
